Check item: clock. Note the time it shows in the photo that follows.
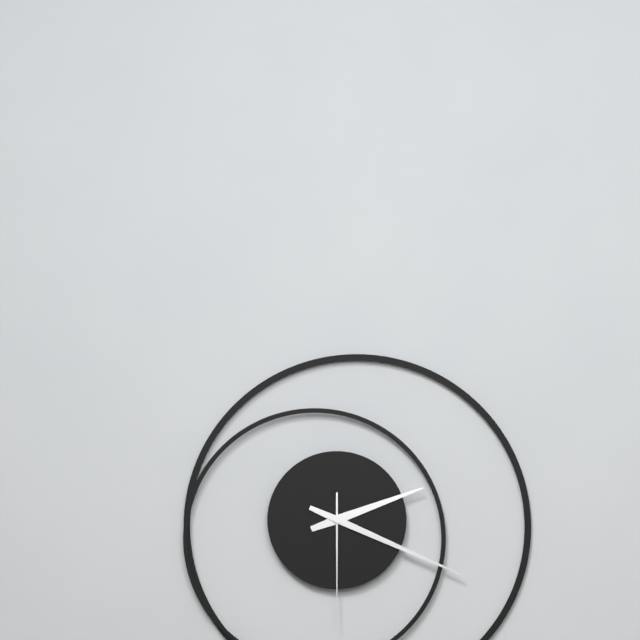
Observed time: 2:19:30
